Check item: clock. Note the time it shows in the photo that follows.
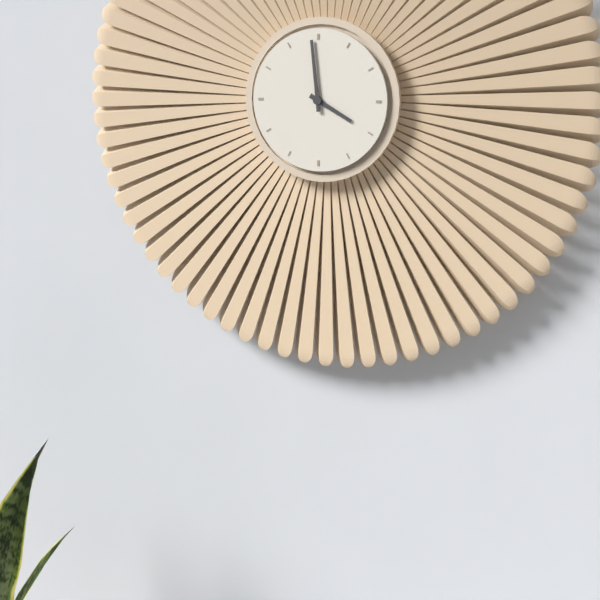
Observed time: 3:59
